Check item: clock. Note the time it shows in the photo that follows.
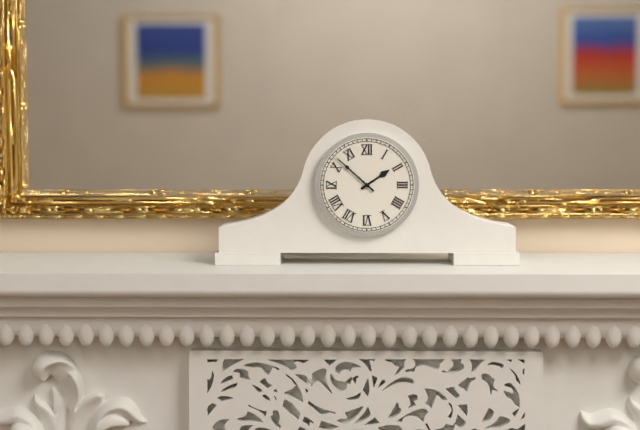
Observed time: 1:52
